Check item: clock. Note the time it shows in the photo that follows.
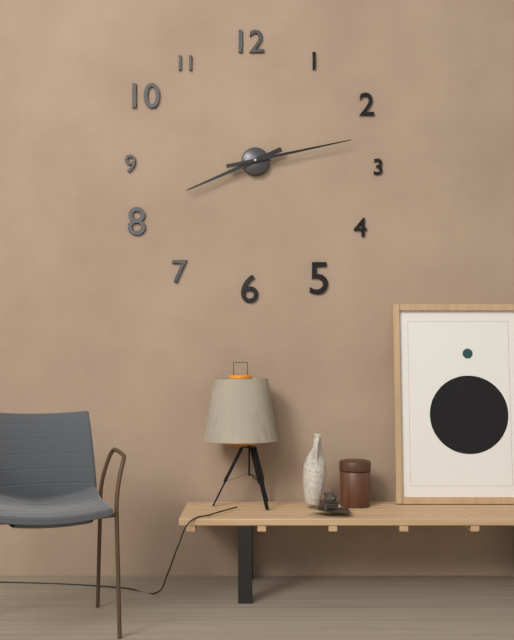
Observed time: 8:13
